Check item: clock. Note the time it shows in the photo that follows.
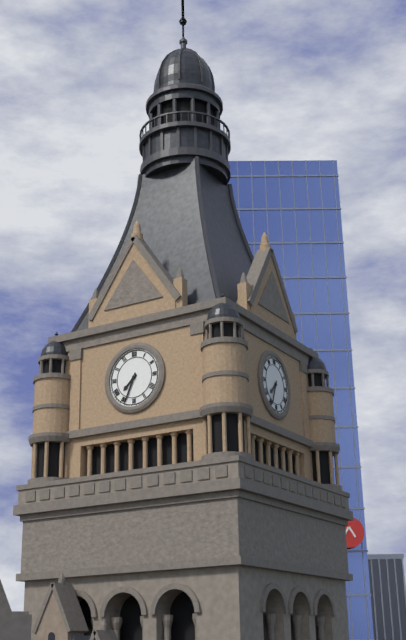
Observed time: 7:34
